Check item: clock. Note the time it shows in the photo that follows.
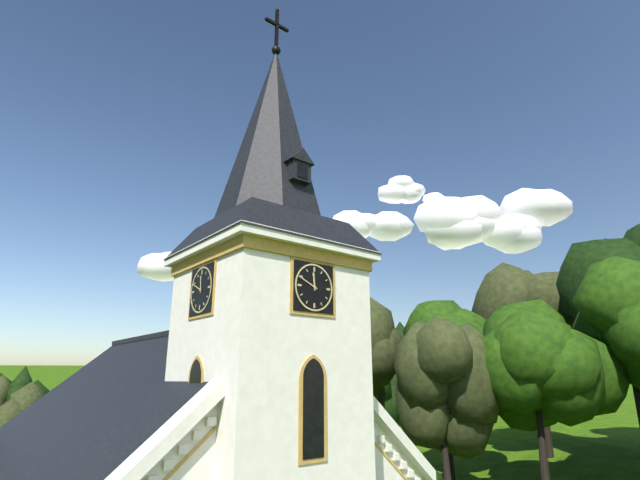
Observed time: 11:49
